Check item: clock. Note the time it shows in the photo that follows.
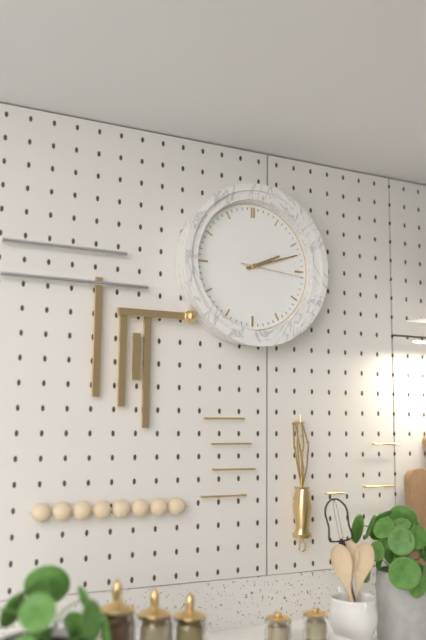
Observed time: 2:12:16
